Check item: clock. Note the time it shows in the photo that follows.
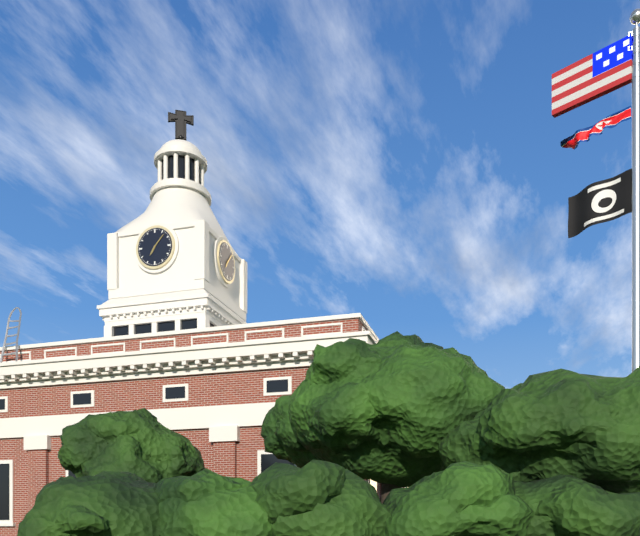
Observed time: 7:07
